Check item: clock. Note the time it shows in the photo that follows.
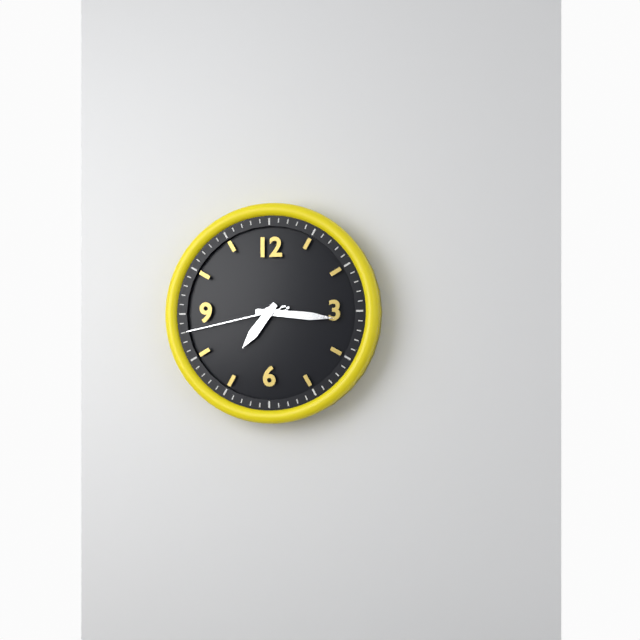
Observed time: 7:16:43
